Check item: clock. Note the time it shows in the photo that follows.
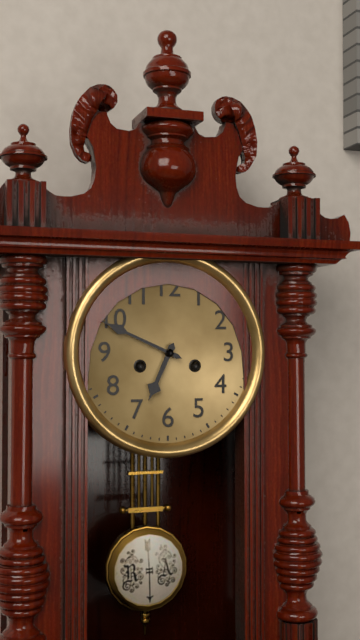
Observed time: 6:49
